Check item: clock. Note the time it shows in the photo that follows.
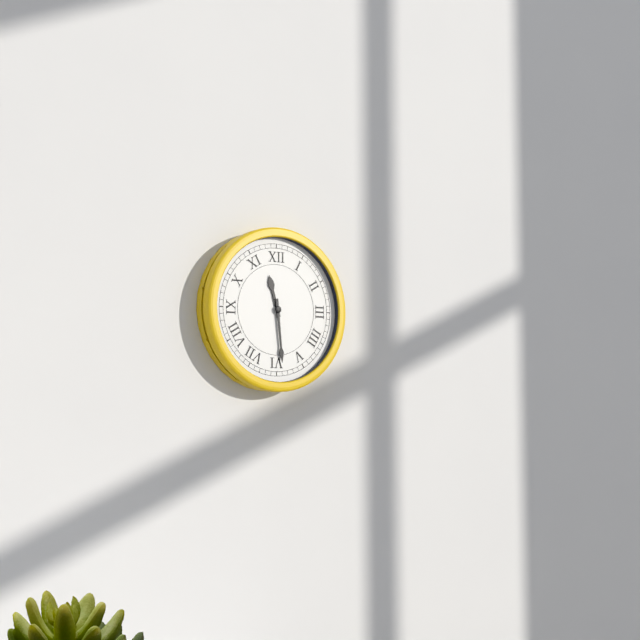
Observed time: 11:29
